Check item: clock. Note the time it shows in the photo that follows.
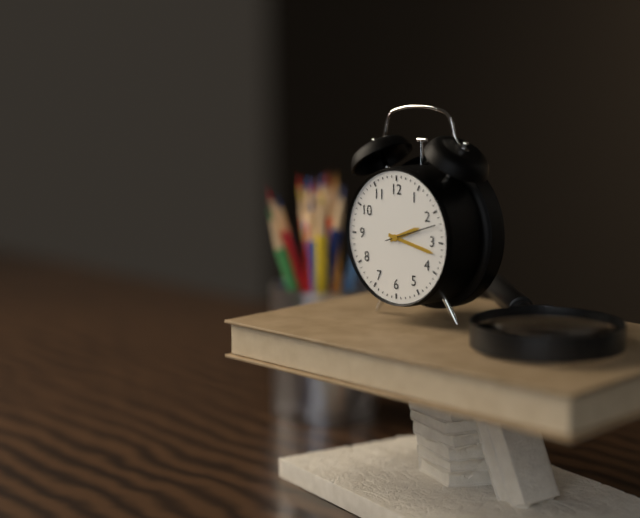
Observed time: 2:17:12
